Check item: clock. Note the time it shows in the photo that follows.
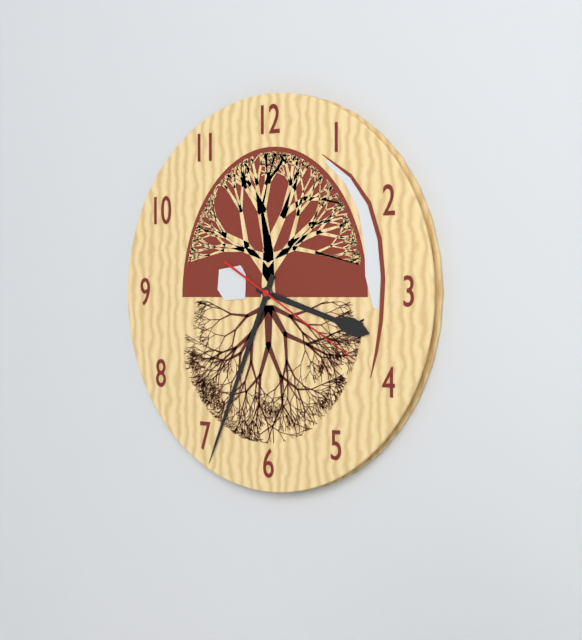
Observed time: 3:34:20
